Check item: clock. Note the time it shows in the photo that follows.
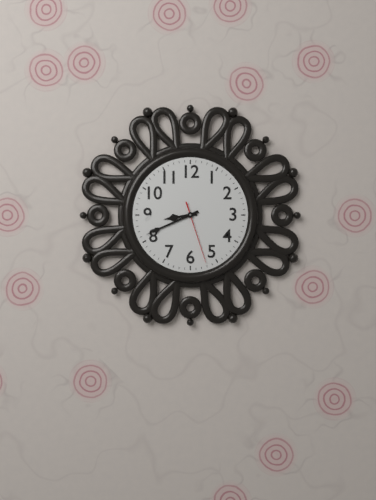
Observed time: 8:41:27
